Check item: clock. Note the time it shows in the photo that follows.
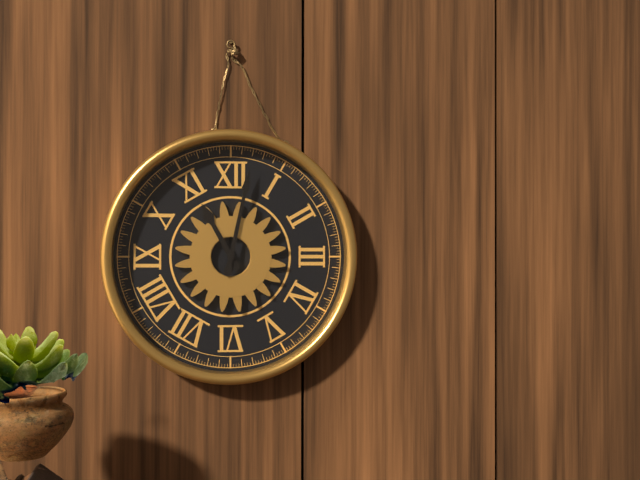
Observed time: 11:02
